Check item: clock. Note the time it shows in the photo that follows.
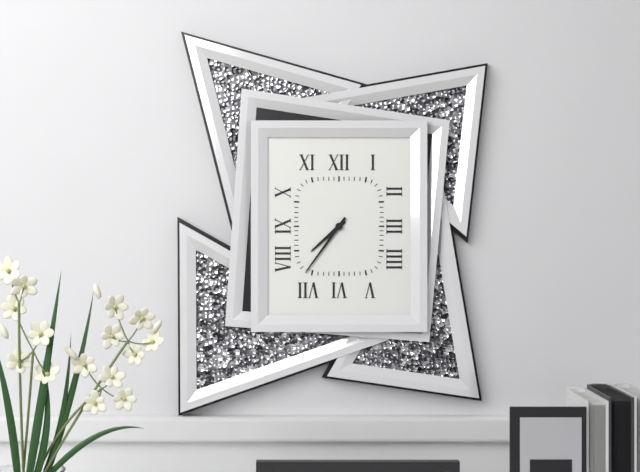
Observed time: 7:36
